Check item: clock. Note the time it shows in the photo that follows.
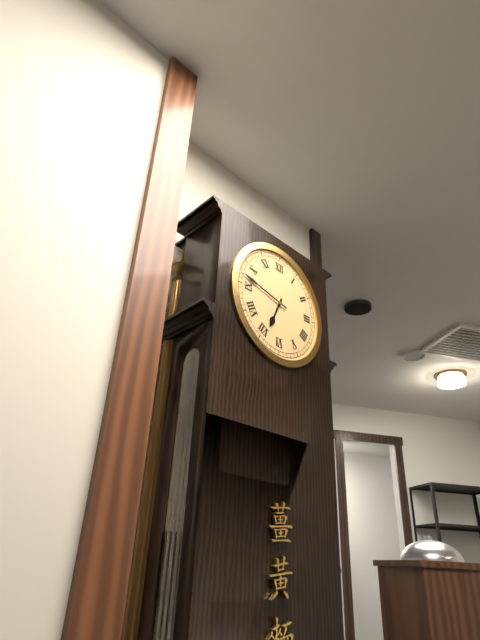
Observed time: 6:47
